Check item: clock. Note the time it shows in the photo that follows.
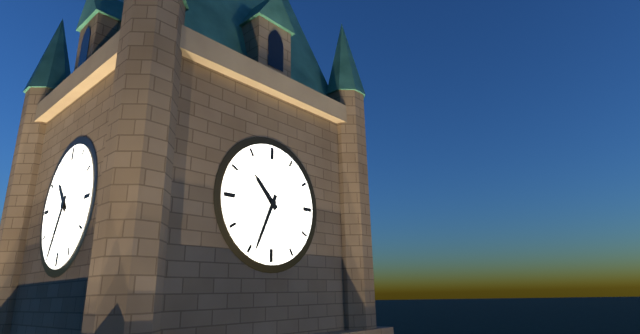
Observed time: 10:34
